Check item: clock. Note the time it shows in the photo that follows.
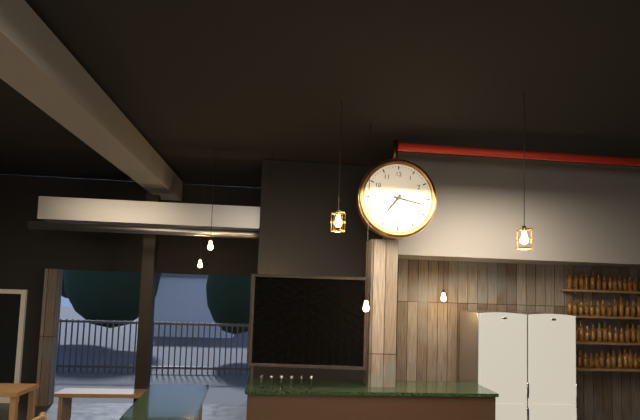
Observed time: 7:17
